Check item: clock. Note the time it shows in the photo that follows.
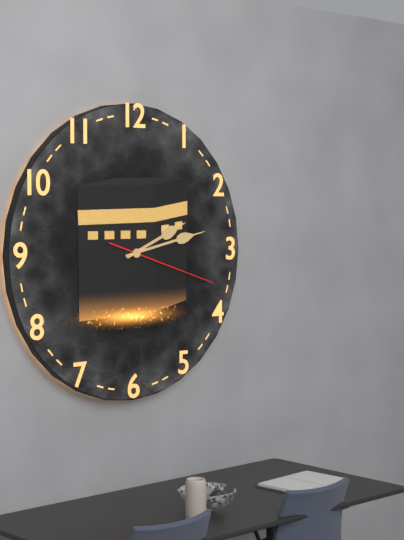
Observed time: 2:13:18
